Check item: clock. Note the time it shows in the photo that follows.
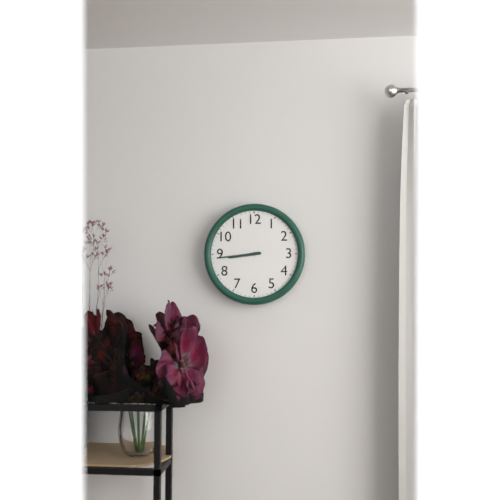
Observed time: 8:44
